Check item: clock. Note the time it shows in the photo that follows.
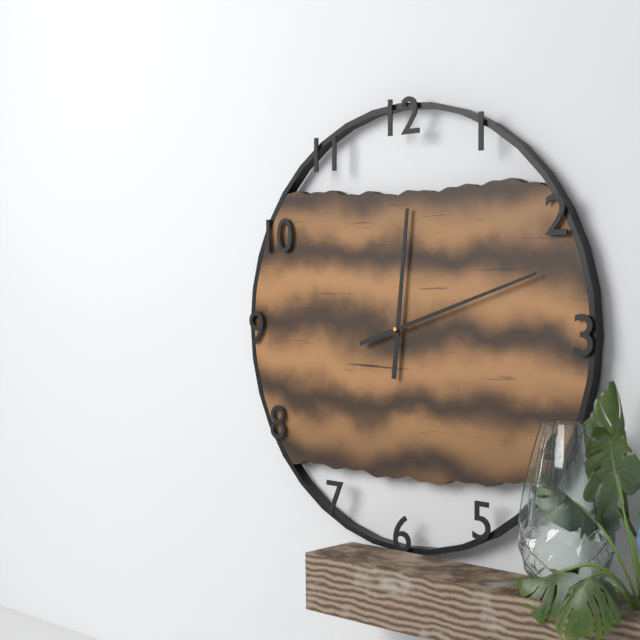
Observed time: 12:12
